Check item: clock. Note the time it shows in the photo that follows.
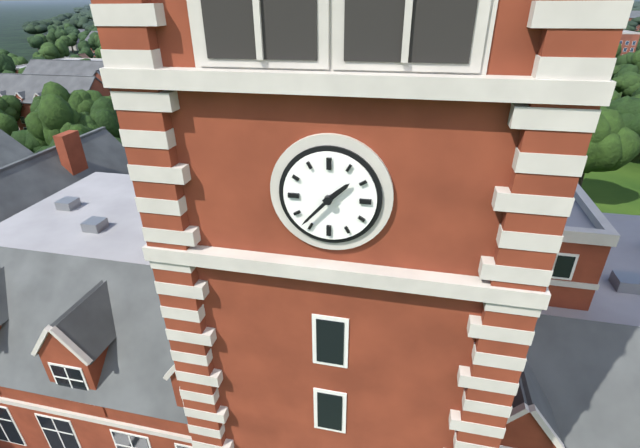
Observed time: 1:37
